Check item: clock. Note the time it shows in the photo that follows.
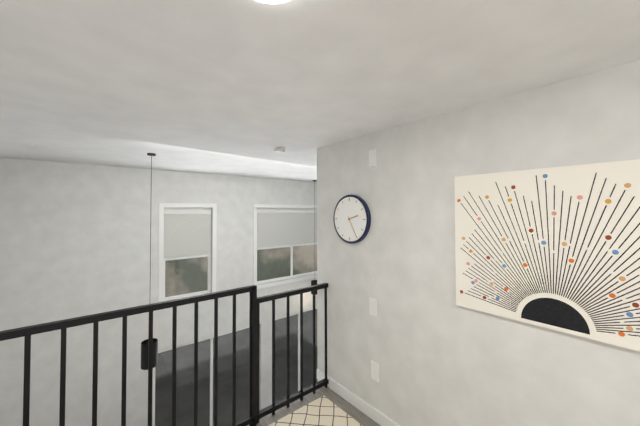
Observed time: 2:25
